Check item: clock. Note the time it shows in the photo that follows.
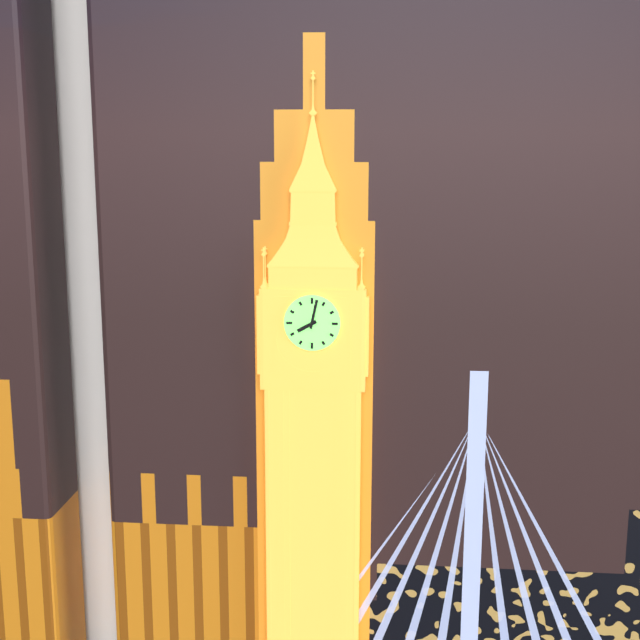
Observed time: 8:02
